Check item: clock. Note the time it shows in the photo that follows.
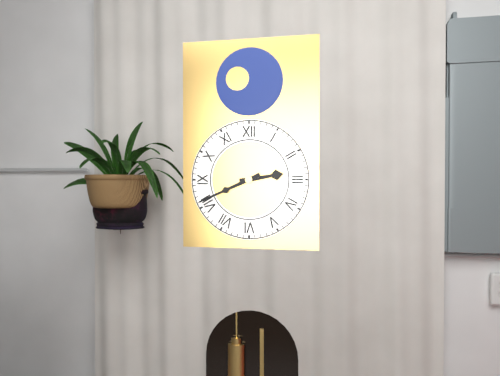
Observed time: 2:41
